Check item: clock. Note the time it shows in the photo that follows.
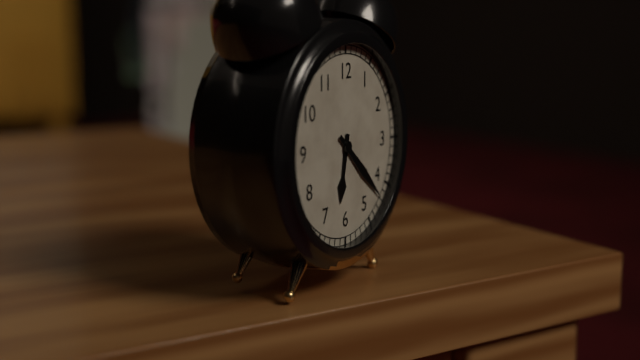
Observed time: 6:22
